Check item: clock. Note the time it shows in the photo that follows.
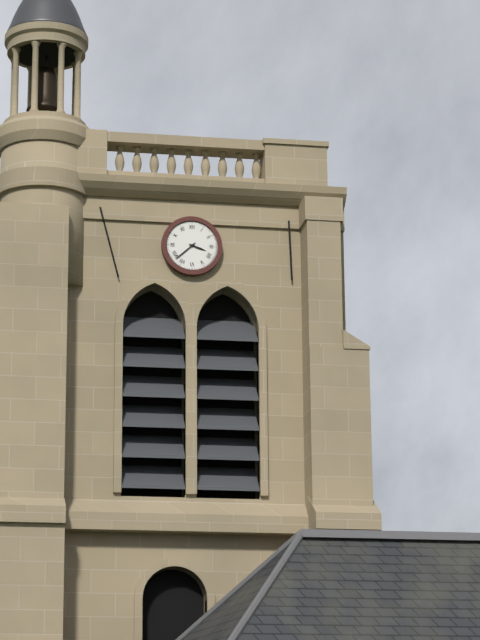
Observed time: 3:38
